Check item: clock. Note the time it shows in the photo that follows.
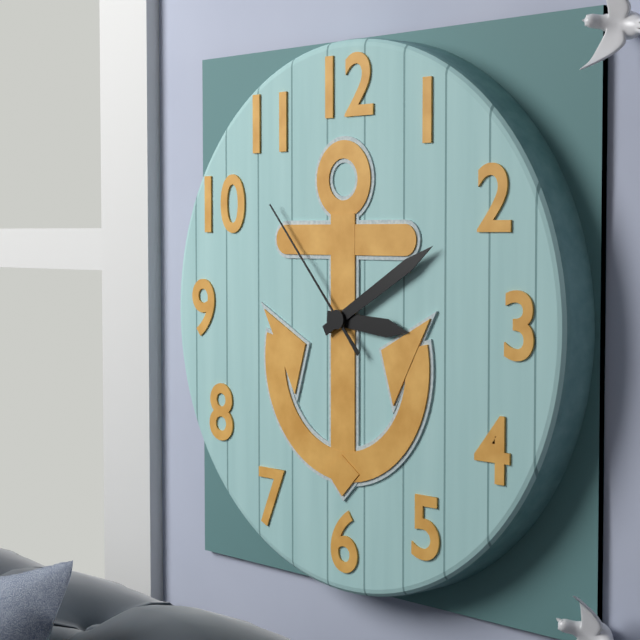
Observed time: 3:10:53
